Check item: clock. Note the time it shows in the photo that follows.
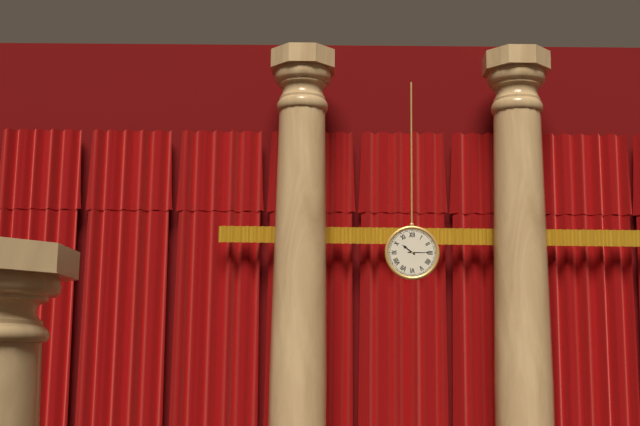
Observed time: 10:15
